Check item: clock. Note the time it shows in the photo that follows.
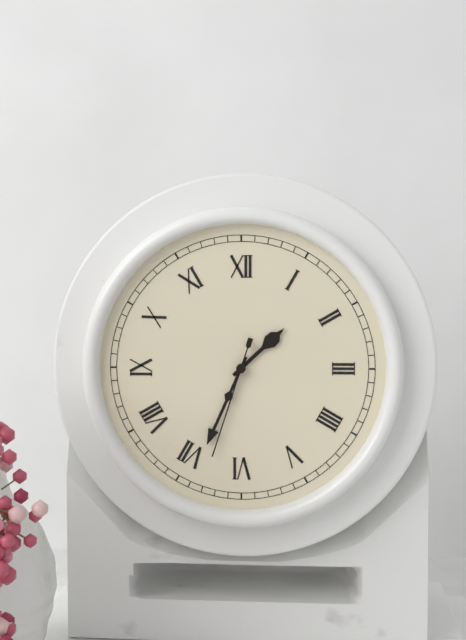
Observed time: 1:34:33
